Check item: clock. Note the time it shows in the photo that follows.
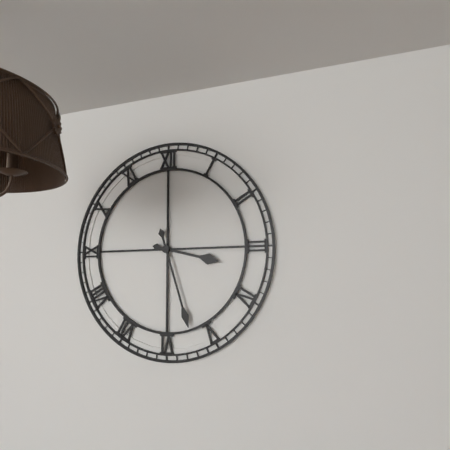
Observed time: 3:27
